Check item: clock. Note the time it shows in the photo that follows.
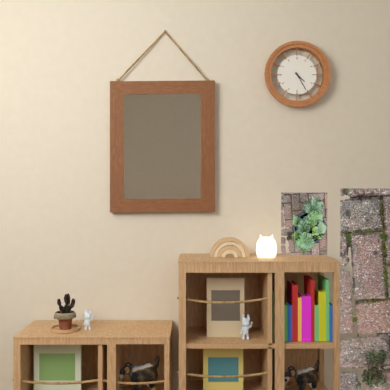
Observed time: 4:25
